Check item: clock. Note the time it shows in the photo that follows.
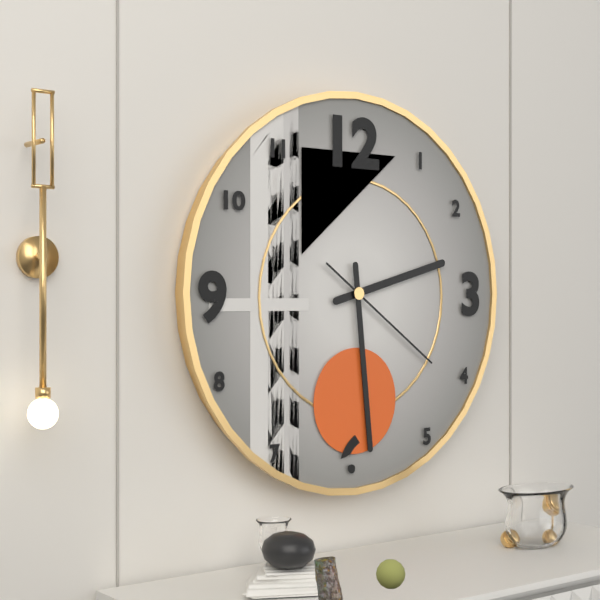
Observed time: 2:29:21
